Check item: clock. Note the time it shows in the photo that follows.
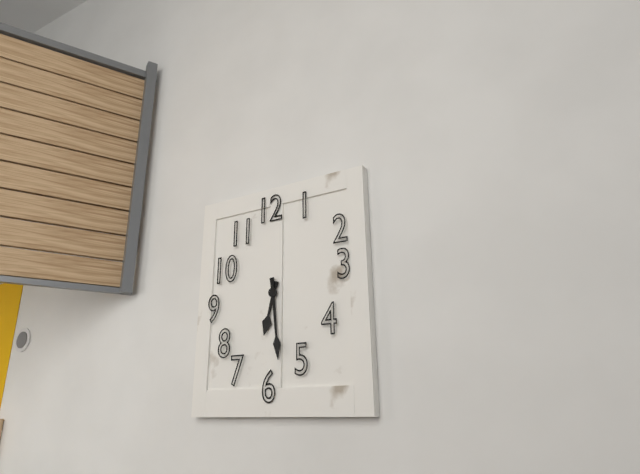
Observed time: 6:29
